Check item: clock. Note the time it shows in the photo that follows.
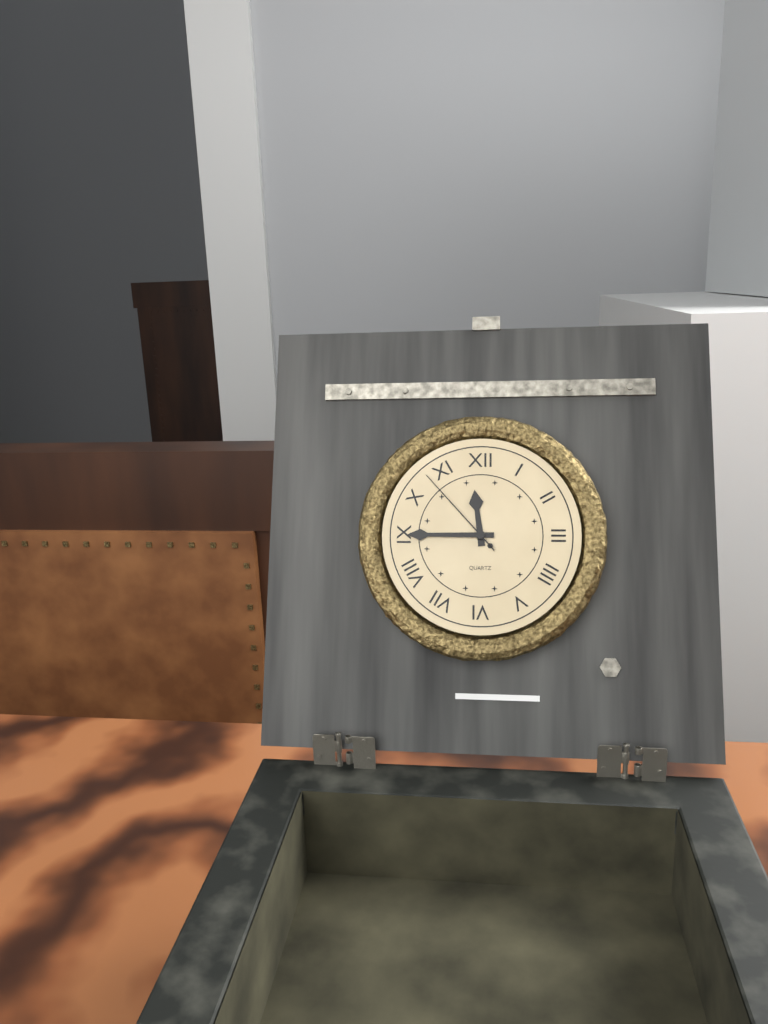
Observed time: 11:45:53
